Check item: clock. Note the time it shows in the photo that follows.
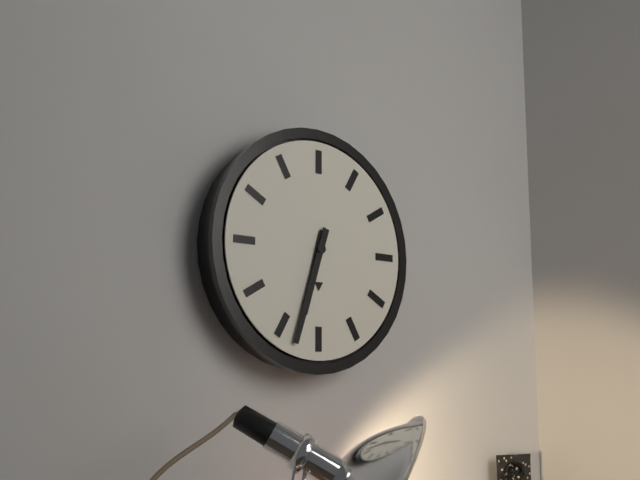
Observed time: 6:33
